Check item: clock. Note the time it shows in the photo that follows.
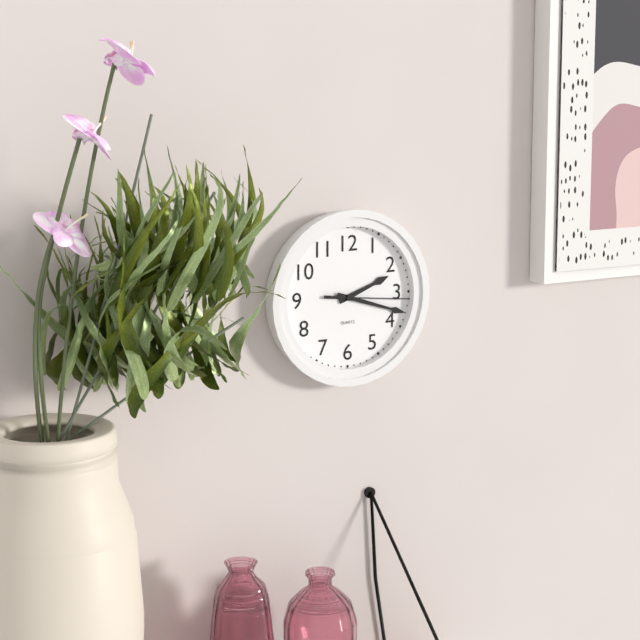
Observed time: 2:18:16
